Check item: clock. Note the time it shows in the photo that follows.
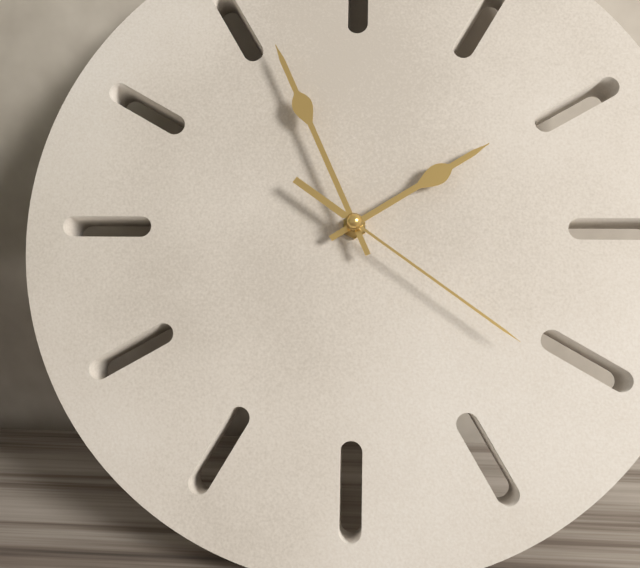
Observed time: 1:56:21
